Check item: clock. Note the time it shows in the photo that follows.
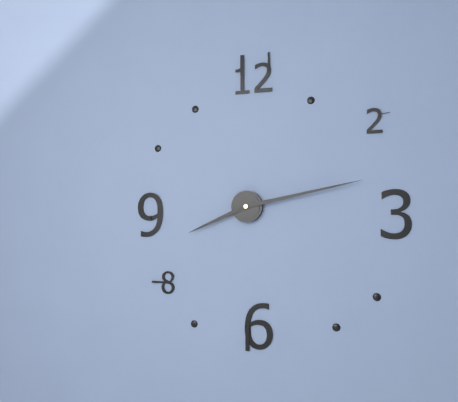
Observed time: 8:13
